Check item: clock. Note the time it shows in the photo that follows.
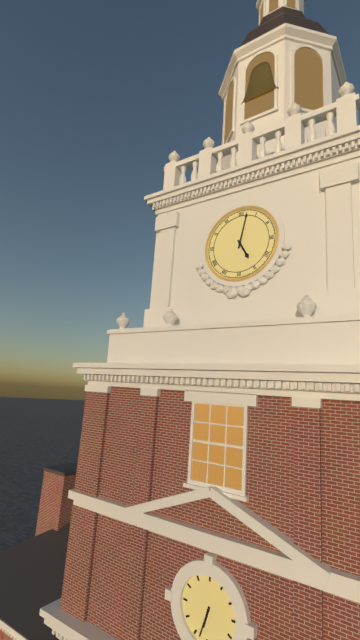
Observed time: 5:02
